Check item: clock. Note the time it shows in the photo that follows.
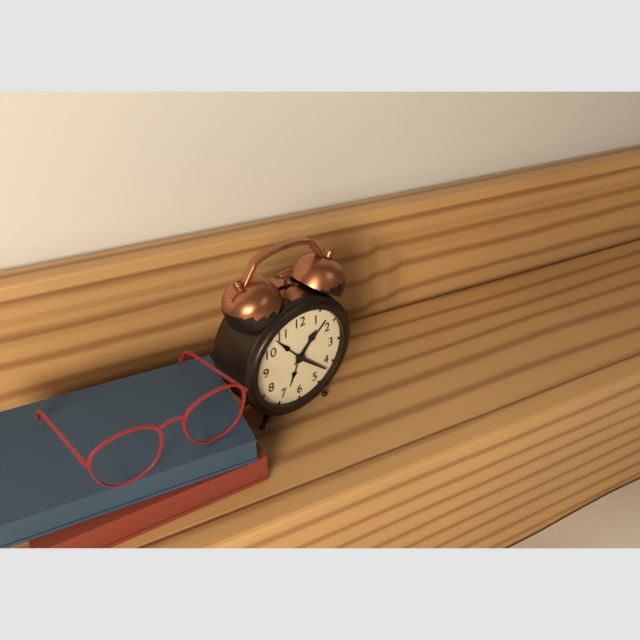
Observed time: 1:22
